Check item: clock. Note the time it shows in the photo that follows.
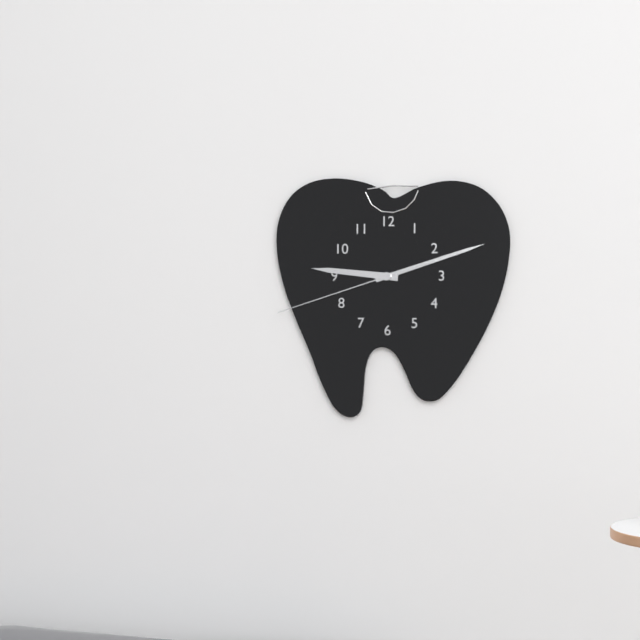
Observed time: 9:12:42
